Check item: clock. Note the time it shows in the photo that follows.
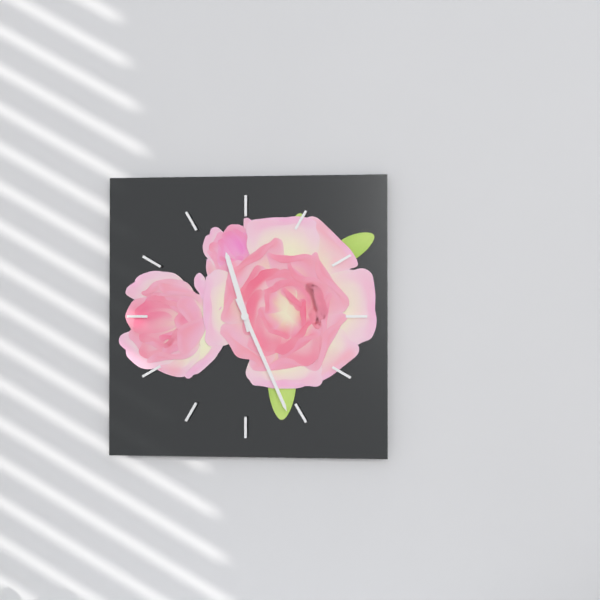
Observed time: 11:26
